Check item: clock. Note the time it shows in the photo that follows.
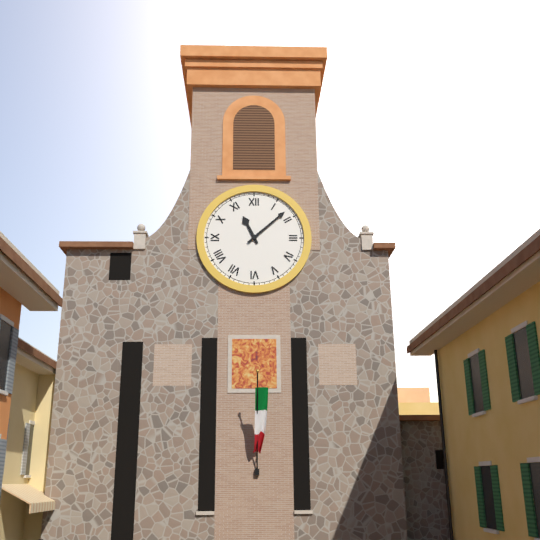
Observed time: 11:08
